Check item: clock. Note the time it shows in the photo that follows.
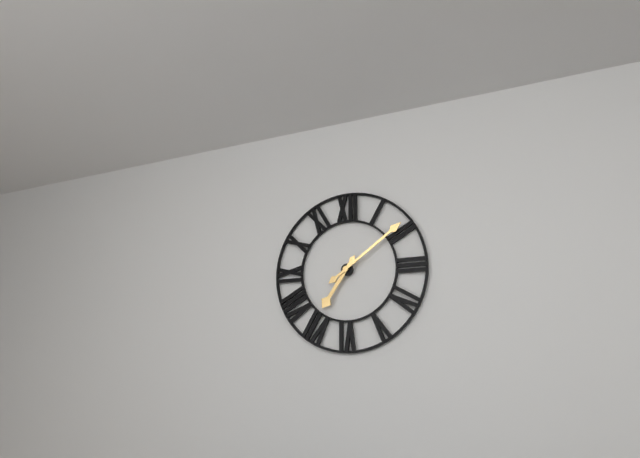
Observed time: 7:09
